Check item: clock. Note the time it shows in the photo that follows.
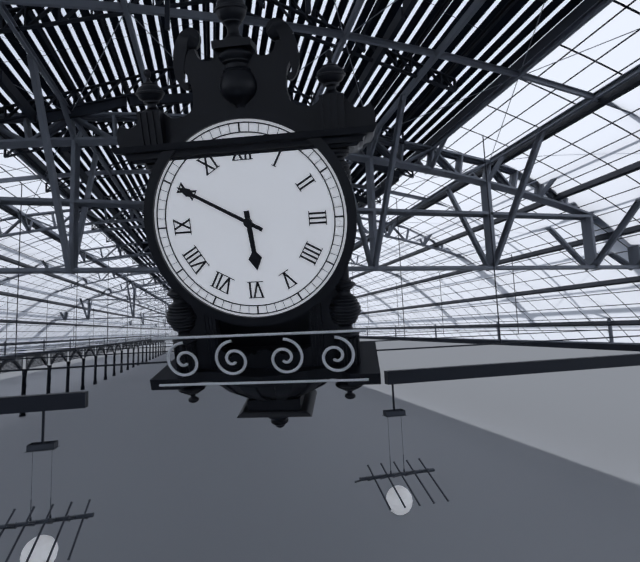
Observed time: 5:50
